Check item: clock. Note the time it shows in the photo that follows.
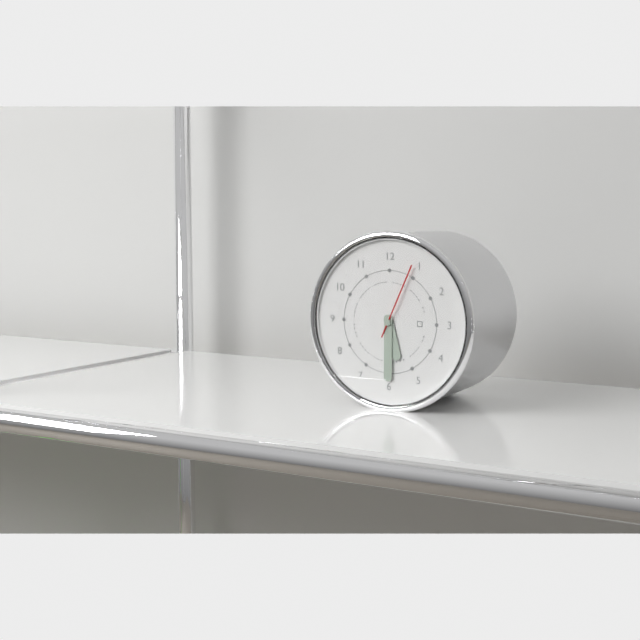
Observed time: 5:30:04
